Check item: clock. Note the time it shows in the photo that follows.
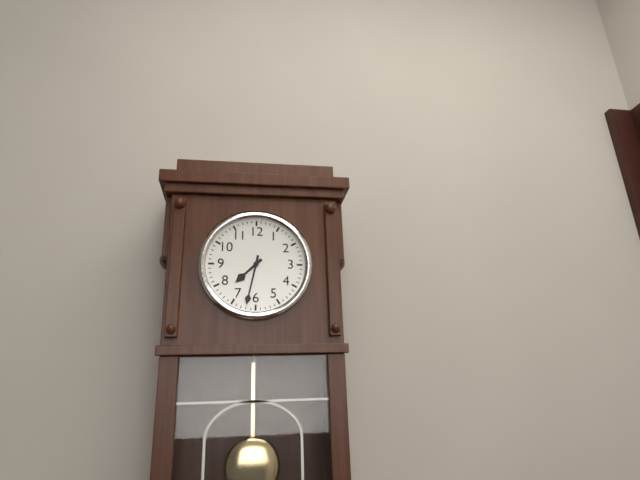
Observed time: 7:32
